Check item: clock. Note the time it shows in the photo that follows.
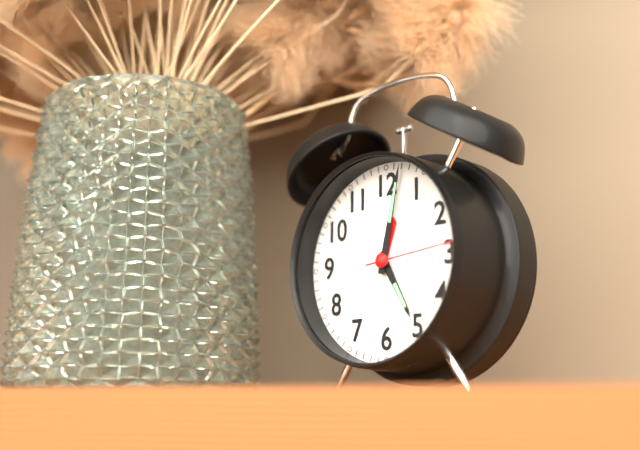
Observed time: 5:02:14
